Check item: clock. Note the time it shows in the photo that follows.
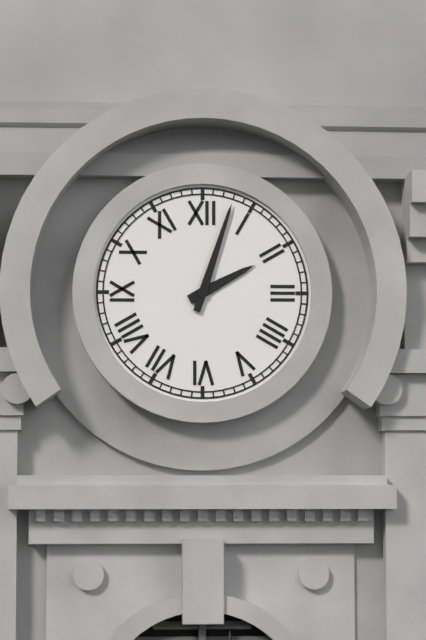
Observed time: 2:03
